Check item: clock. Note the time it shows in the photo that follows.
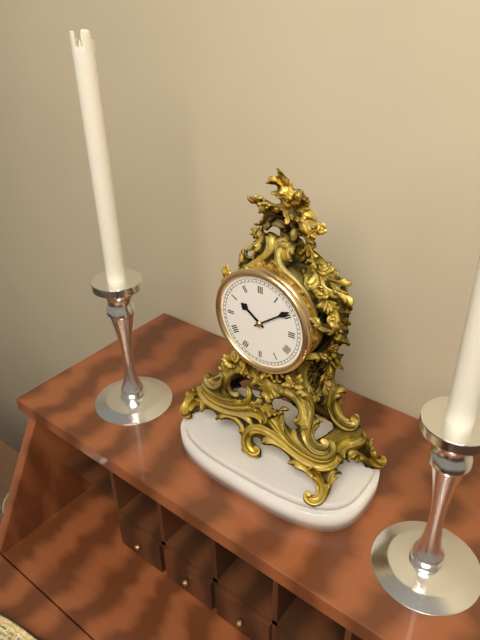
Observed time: 10:09
